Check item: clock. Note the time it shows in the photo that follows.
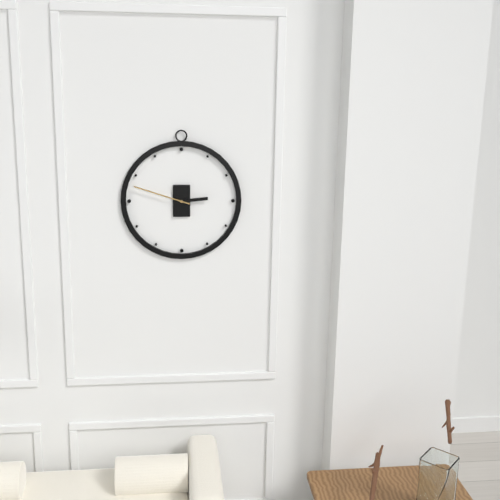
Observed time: 2:48
